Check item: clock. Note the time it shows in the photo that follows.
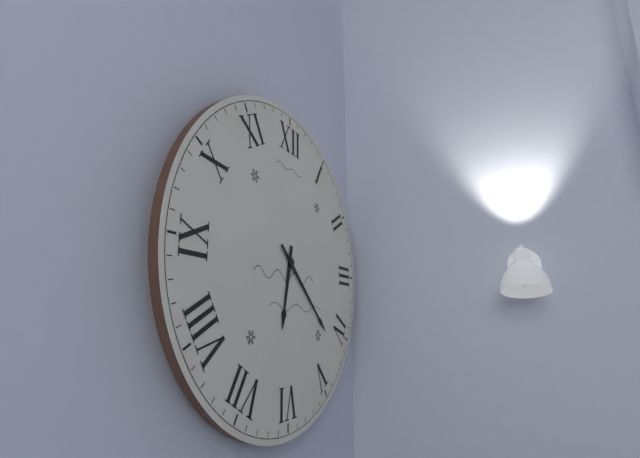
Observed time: 6:22
